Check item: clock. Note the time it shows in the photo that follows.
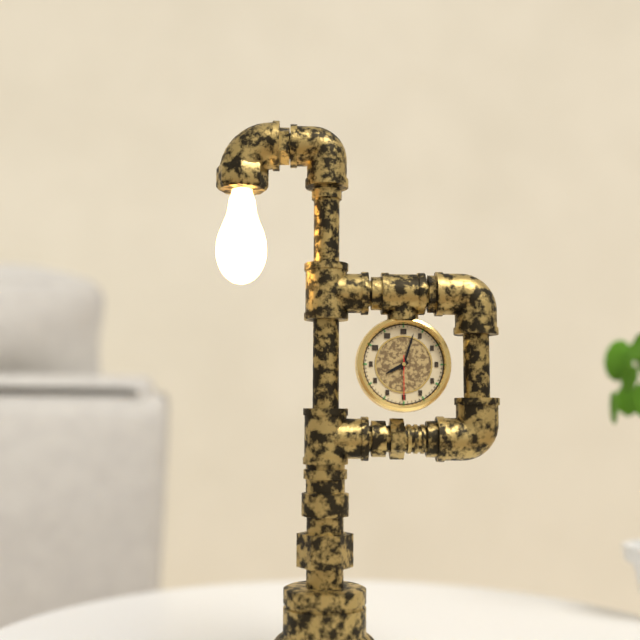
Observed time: 8:03
